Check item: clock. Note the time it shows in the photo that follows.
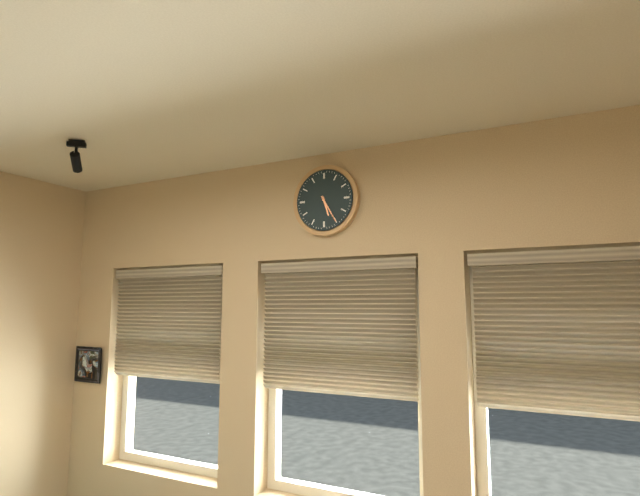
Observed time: 5:25
